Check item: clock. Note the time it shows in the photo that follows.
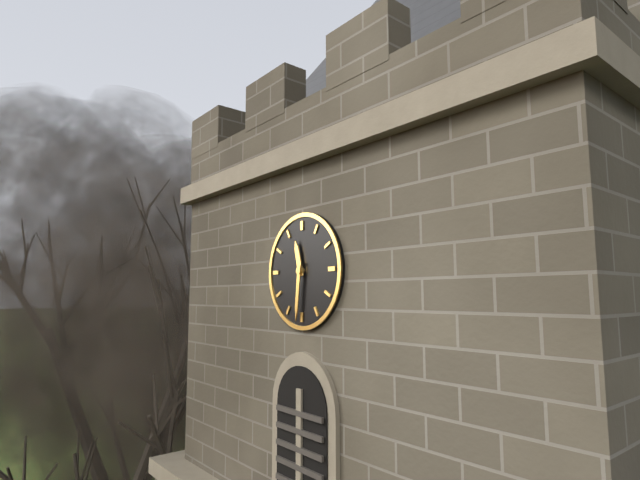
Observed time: 11:31
